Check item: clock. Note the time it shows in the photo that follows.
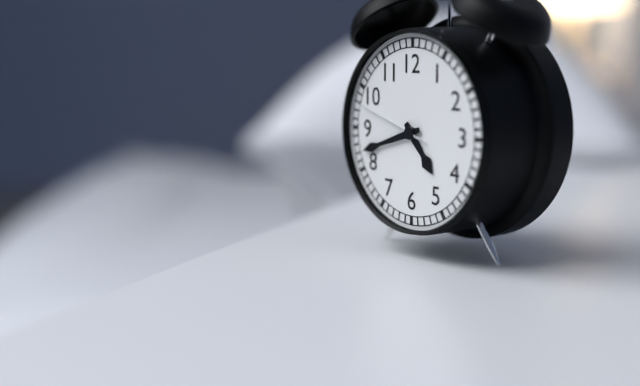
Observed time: 4:42:48
